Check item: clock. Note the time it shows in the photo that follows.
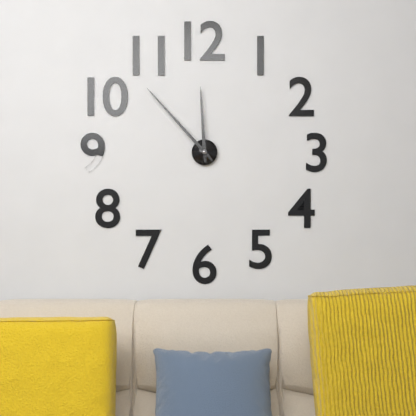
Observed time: 11:53
